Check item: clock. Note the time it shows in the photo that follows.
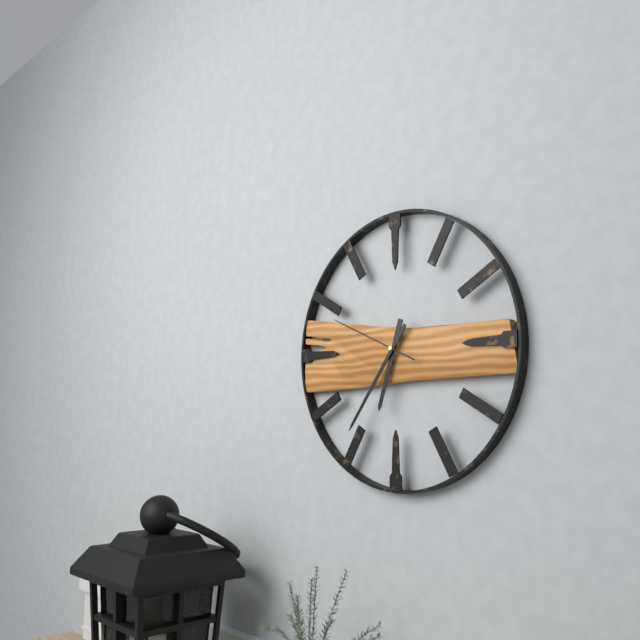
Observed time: 6:36:49
